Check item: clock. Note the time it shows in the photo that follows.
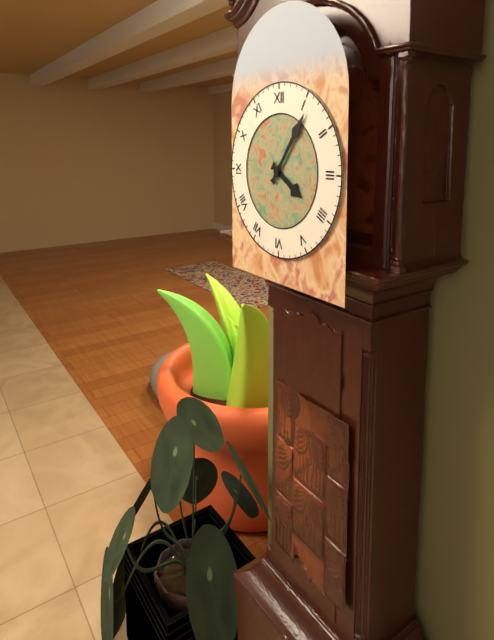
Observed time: 4:06
